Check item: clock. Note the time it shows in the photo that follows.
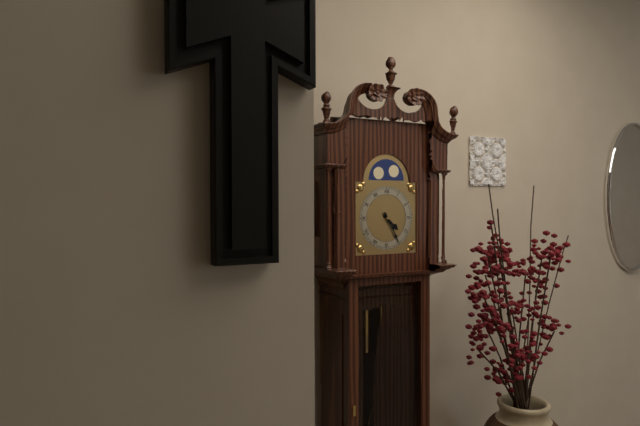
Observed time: 4:25
